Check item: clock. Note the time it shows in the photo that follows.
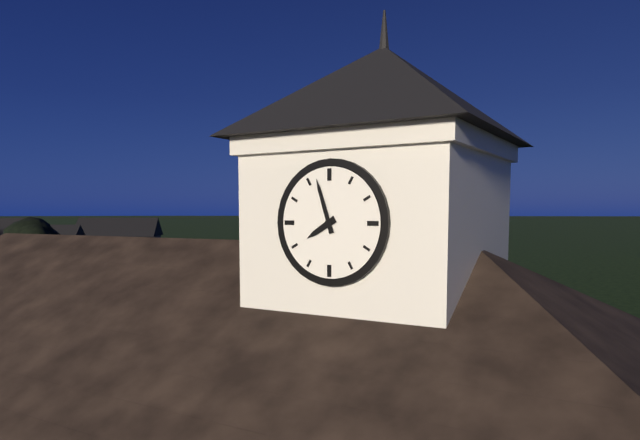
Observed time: 7:57
